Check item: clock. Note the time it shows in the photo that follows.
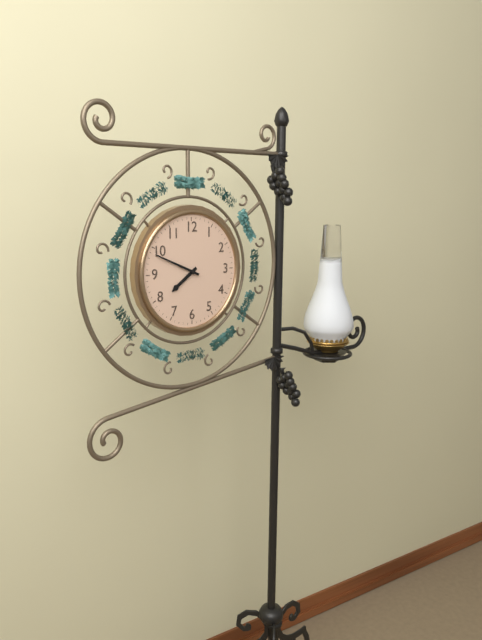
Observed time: 7:49
